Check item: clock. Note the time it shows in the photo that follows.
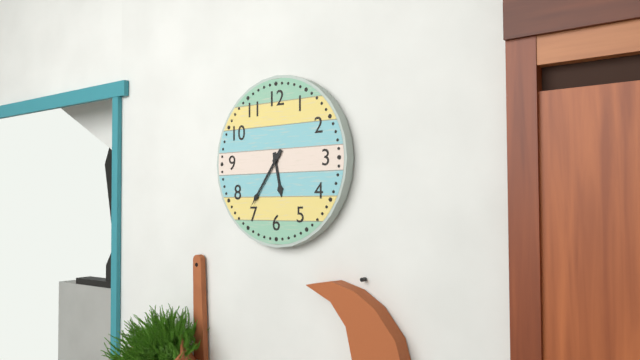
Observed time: 5:36
